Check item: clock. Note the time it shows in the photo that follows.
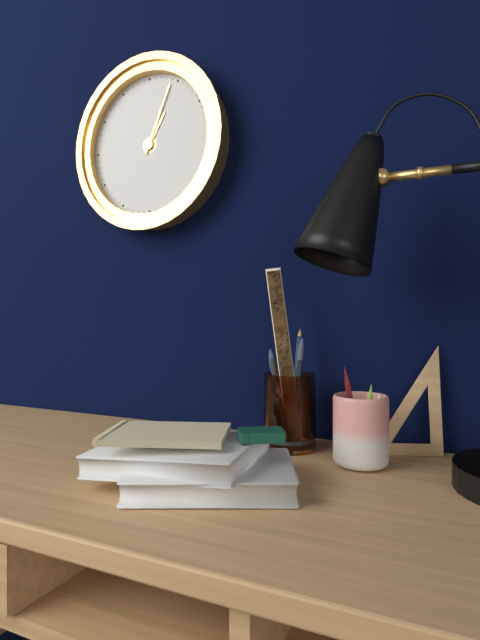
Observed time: 1:04
